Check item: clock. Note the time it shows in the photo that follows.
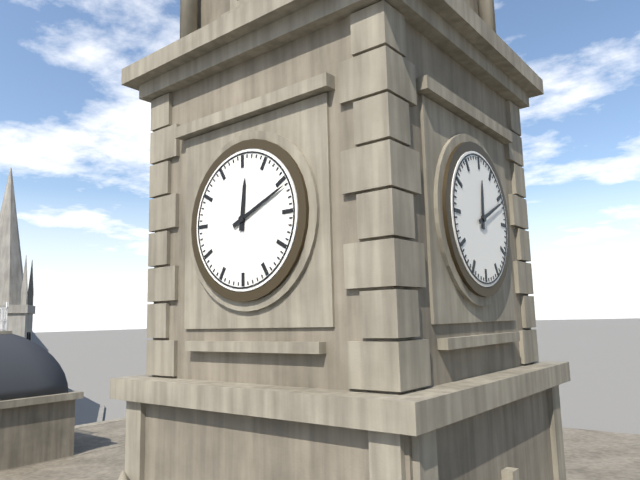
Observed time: 12:11
